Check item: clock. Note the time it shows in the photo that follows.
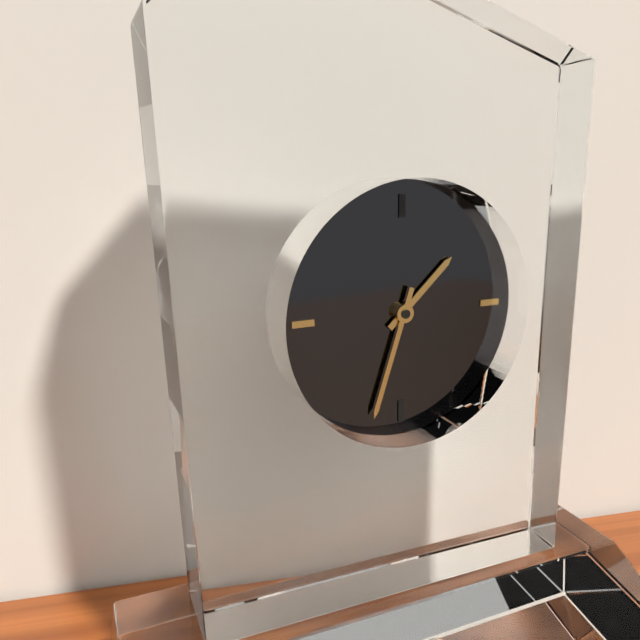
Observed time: 1:33
